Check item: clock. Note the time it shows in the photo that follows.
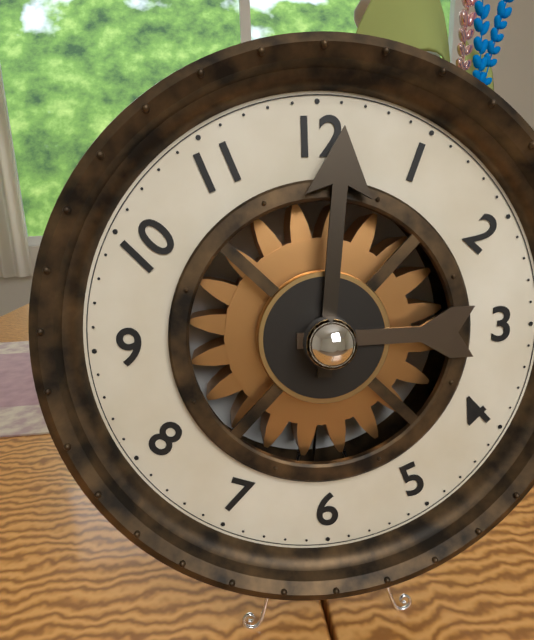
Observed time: 3:01
